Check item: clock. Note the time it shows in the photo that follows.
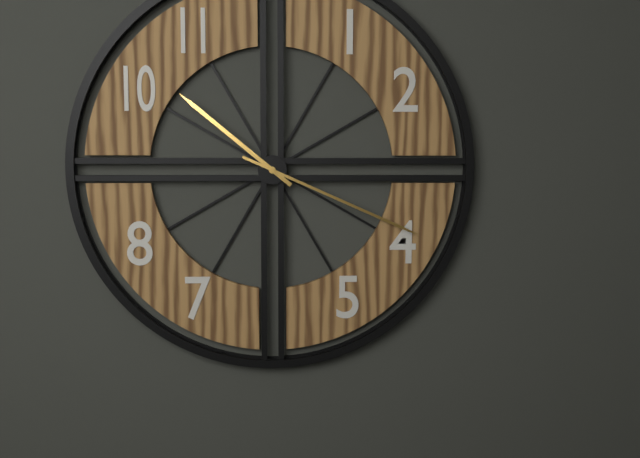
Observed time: 10:19
